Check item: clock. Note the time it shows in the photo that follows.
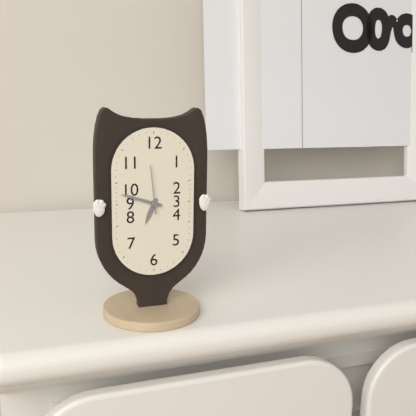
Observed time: 6:48
